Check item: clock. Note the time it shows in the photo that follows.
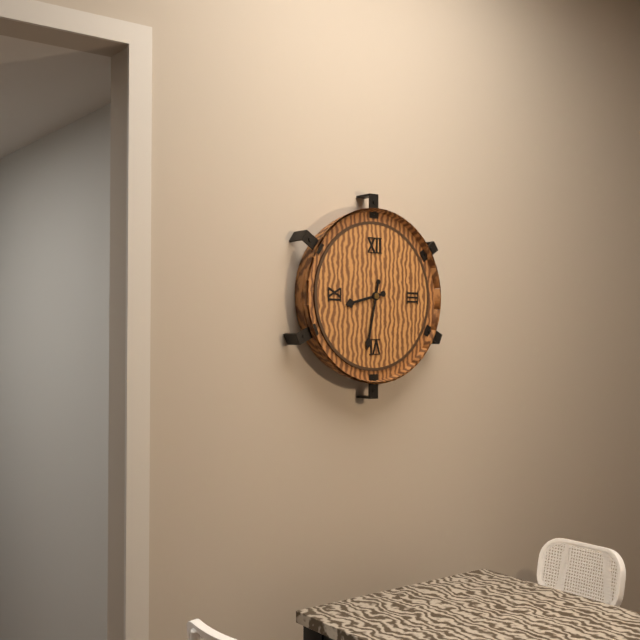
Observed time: 8:32
